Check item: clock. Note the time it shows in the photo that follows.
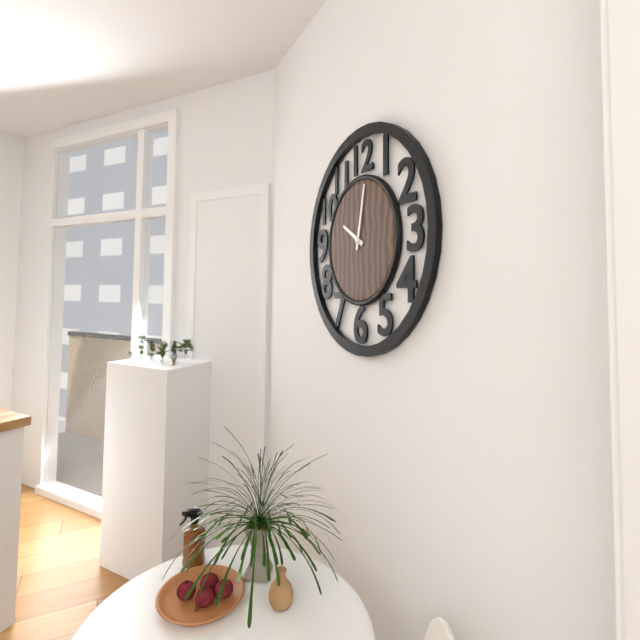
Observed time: 10:02
